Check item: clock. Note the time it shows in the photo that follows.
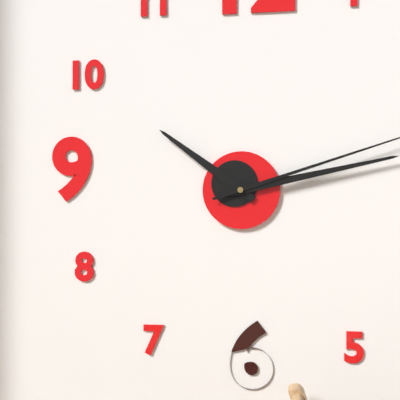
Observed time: 10:13
